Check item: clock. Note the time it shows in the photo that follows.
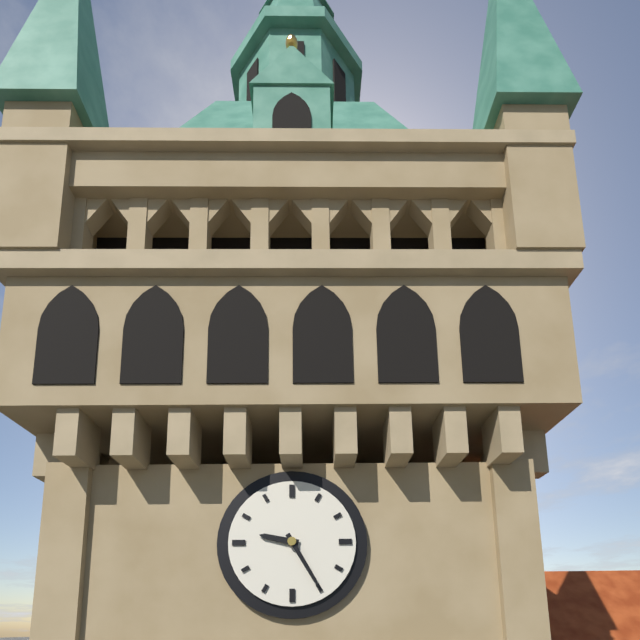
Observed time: 9:25
